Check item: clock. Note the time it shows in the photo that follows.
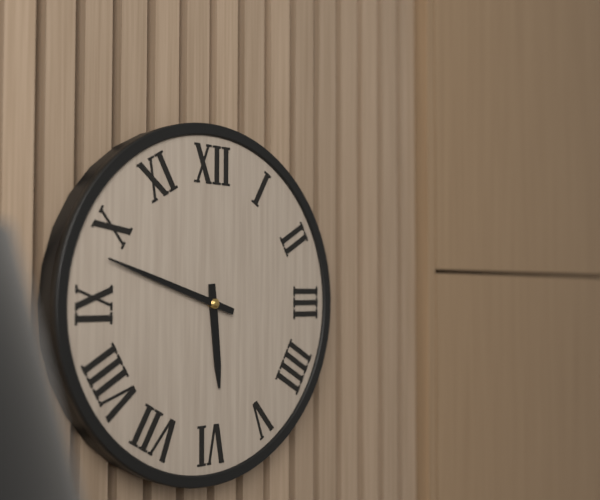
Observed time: 5:48
